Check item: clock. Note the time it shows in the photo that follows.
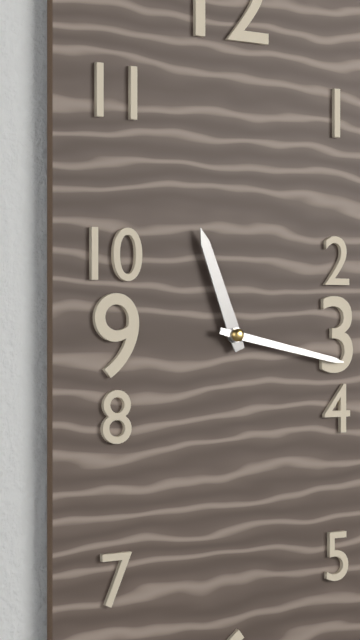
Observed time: 11:17
